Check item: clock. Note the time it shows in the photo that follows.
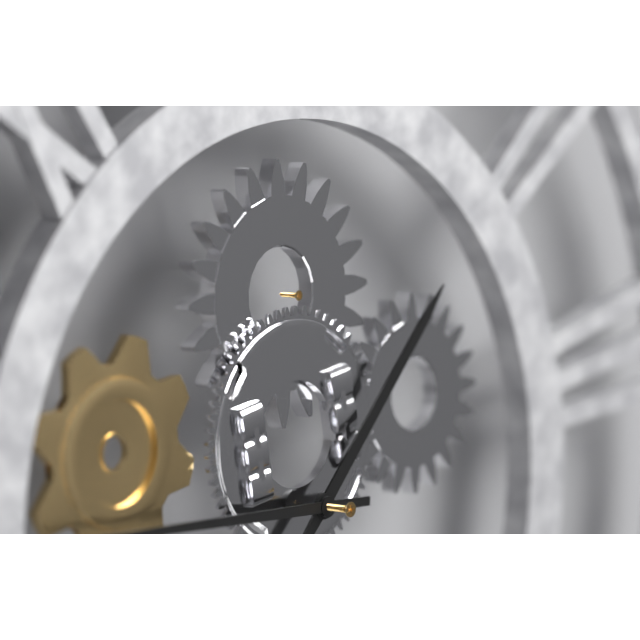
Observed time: 1:47
